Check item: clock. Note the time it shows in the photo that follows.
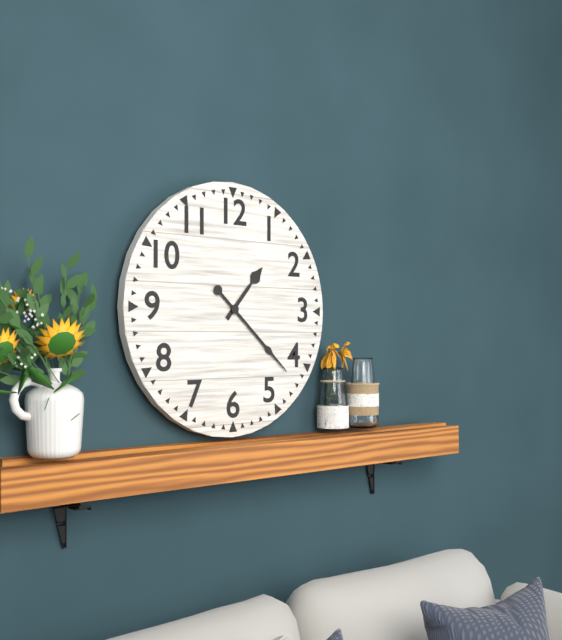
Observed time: 1:22
